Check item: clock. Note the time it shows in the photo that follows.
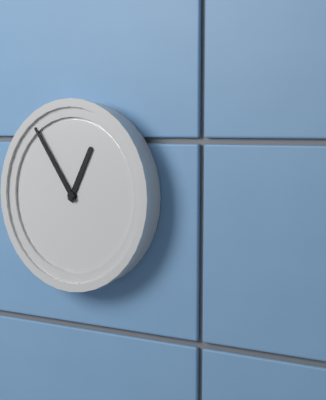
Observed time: 12:54
